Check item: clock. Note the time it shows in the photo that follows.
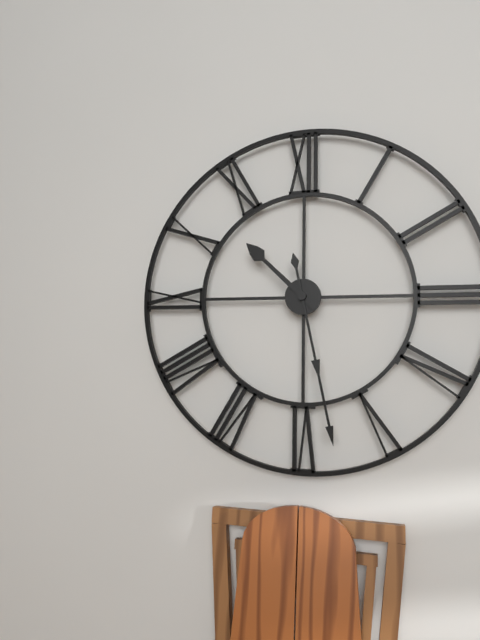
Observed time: 10:28
